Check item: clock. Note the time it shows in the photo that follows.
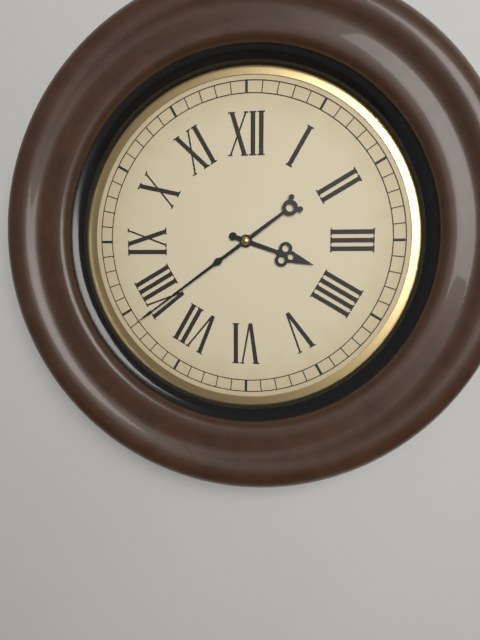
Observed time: 3:39
